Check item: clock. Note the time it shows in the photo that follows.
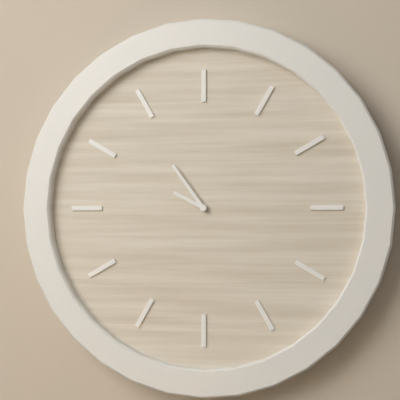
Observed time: 9:54
